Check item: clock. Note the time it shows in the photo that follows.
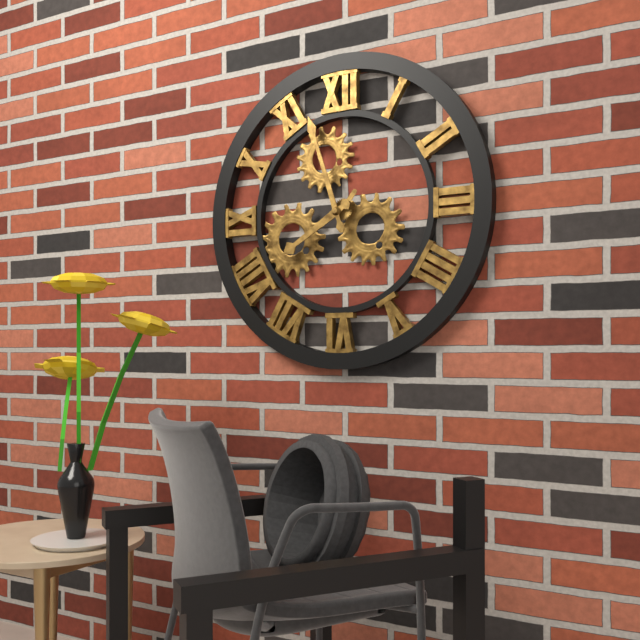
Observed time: 7:57
